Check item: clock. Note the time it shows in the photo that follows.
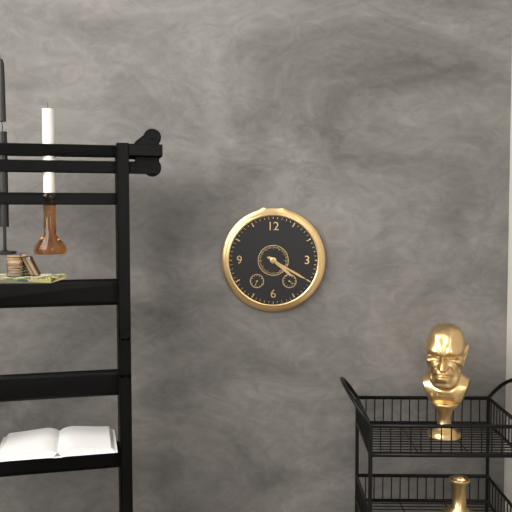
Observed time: 4:20
